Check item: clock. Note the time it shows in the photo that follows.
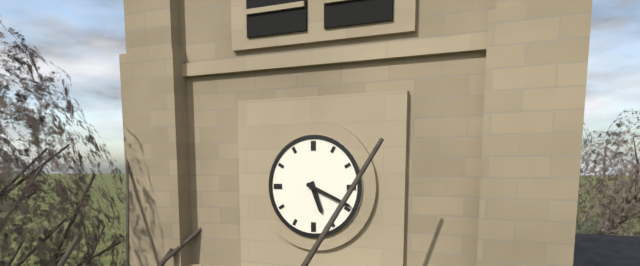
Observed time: 5:19
